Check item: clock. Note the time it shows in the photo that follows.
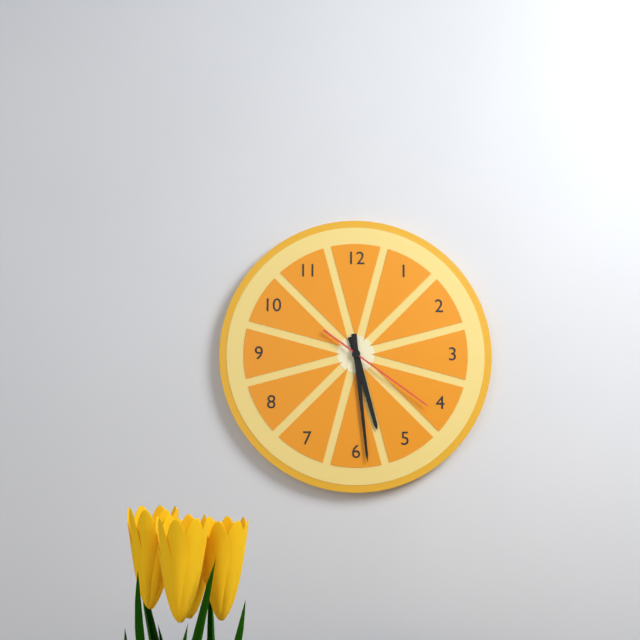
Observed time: 5:29:21
